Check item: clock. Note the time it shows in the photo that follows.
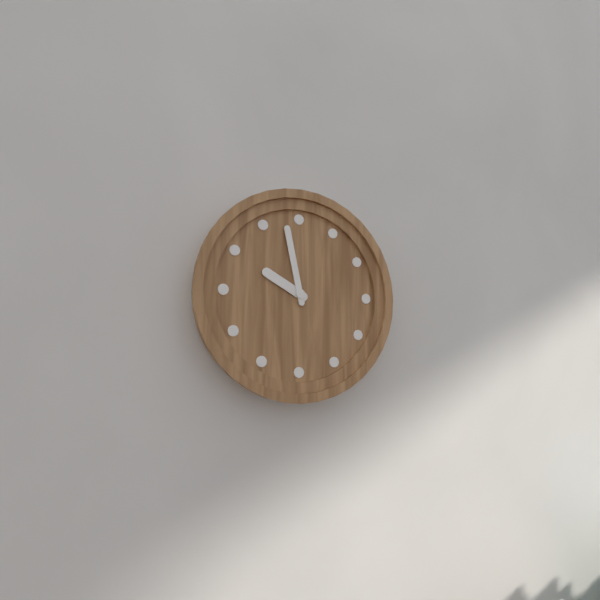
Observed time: 9:58
